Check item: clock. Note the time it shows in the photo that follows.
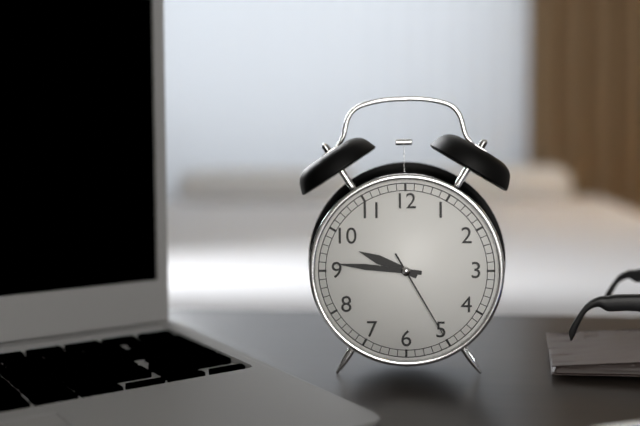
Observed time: 9:46:25
